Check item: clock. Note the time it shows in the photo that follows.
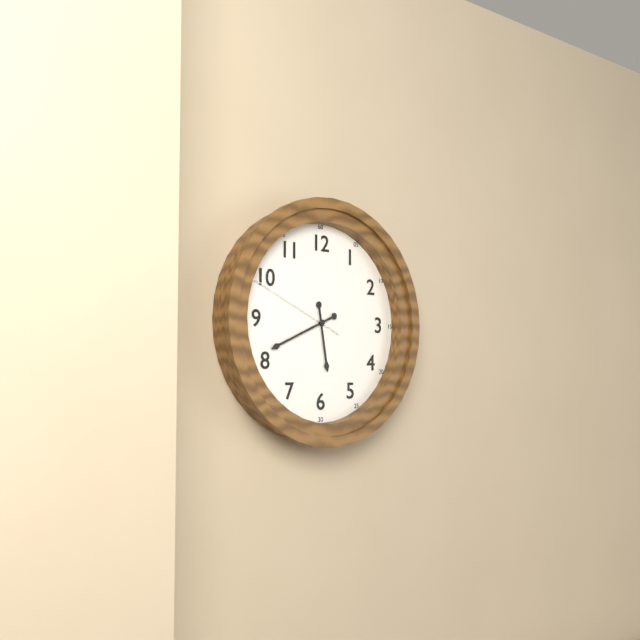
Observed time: 5:41:49
